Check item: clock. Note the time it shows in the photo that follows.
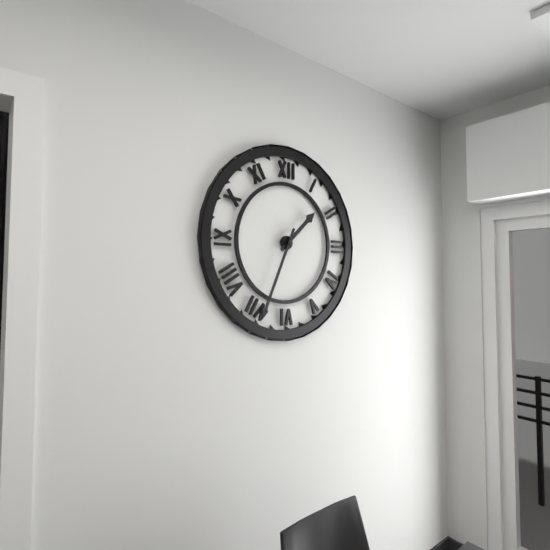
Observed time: 1:34
